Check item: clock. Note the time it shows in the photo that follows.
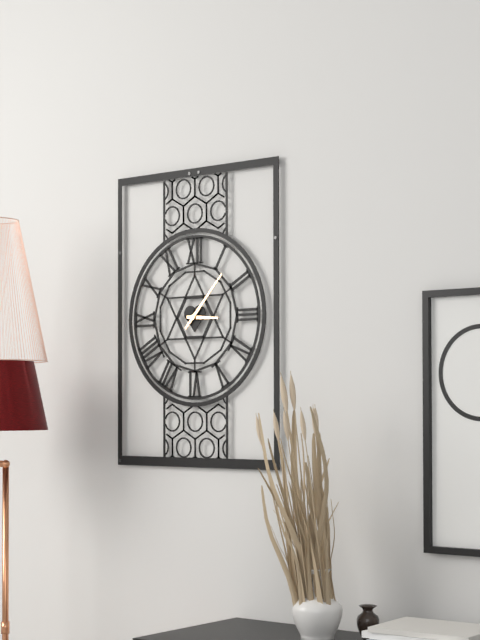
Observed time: 3:07
